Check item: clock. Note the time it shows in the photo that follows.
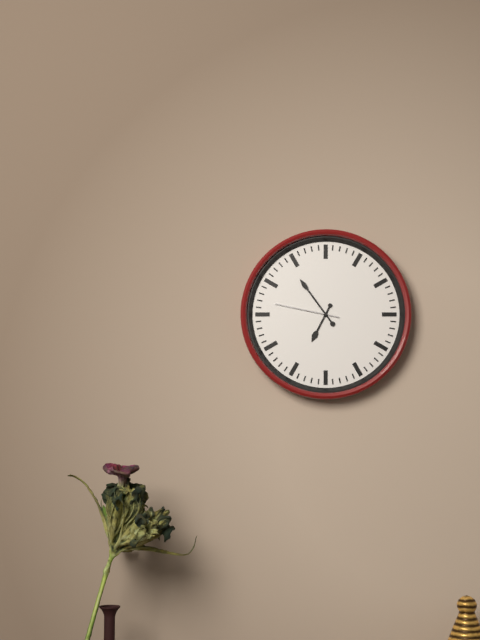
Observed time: 6:54:47
